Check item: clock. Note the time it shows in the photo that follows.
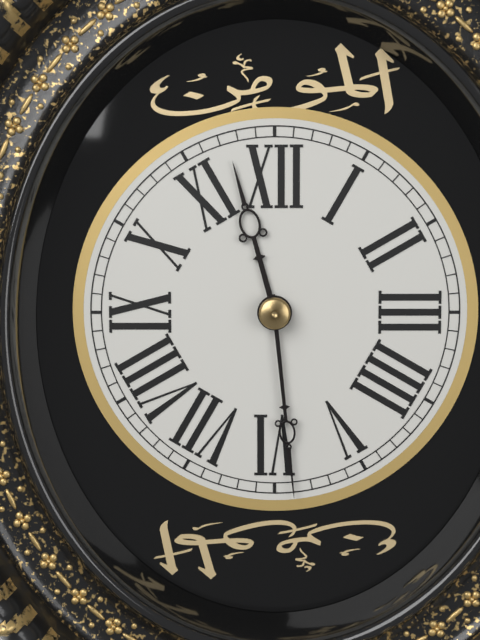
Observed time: 11:29
